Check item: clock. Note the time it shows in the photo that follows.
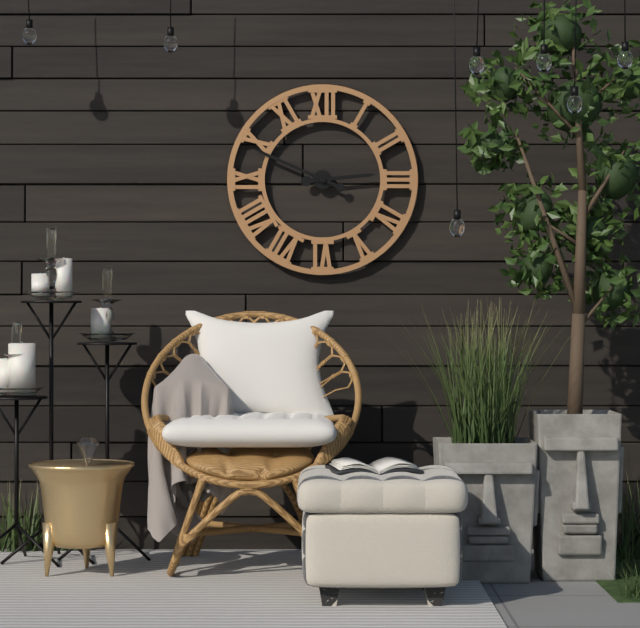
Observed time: 2:49
